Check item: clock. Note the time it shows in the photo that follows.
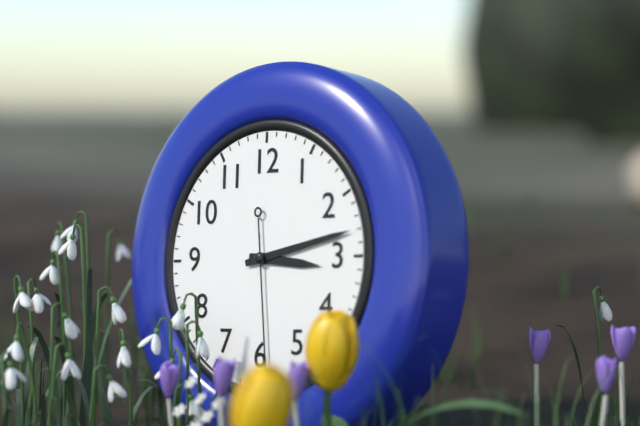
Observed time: 3:13:29
